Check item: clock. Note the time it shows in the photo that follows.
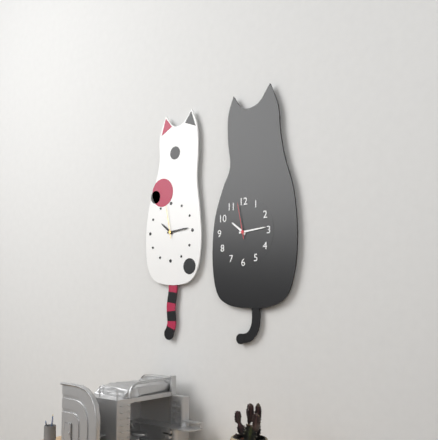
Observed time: 10:14
